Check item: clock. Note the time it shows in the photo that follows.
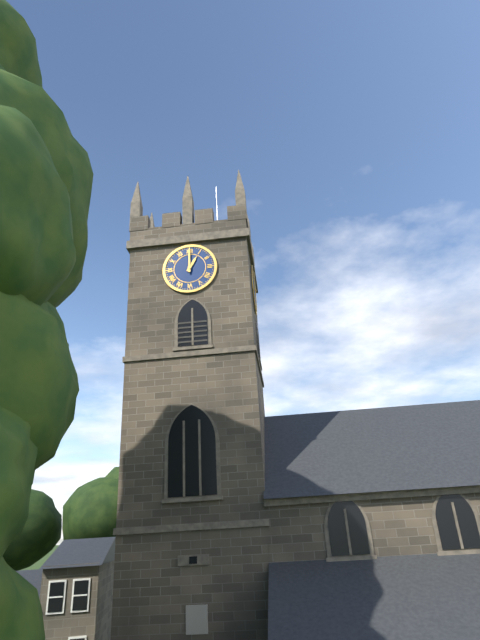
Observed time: 1:00
